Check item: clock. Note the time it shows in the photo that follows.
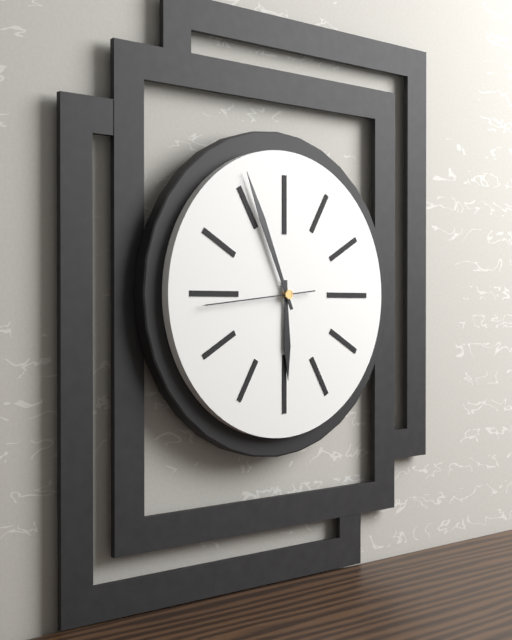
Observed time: 5:56:44
